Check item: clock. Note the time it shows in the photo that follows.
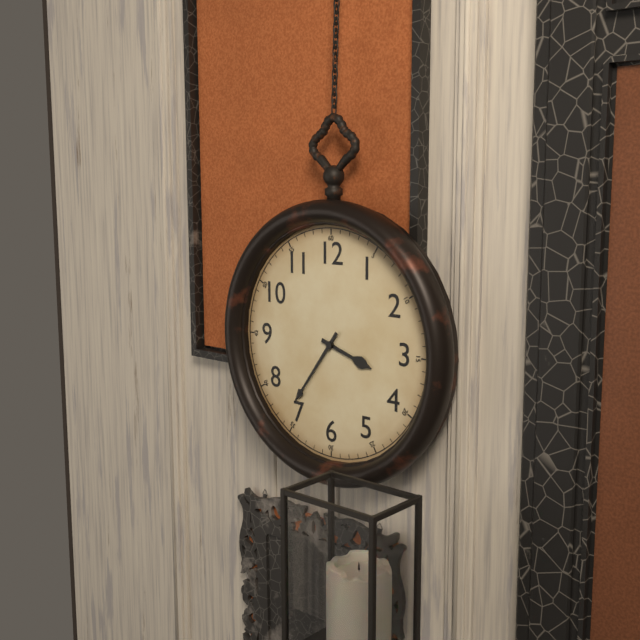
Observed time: 3:36
